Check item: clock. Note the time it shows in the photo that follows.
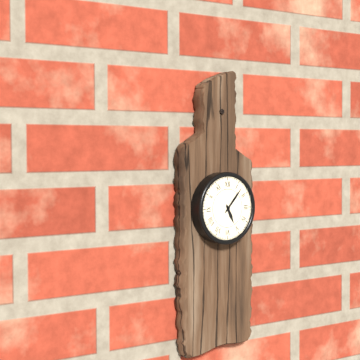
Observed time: 5:07
